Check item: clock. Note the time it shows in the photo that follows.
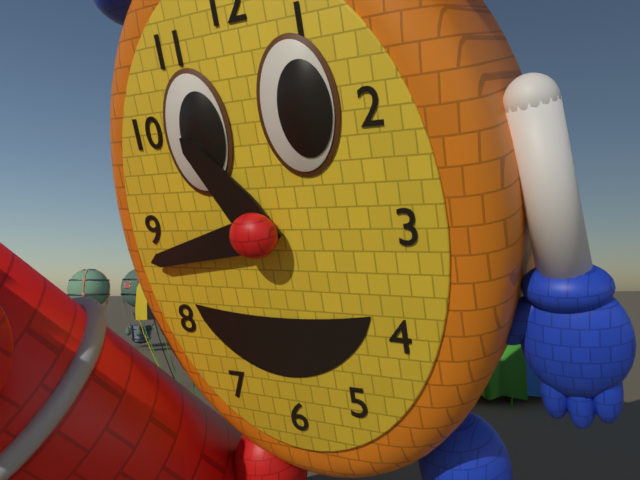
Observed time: 10:43
